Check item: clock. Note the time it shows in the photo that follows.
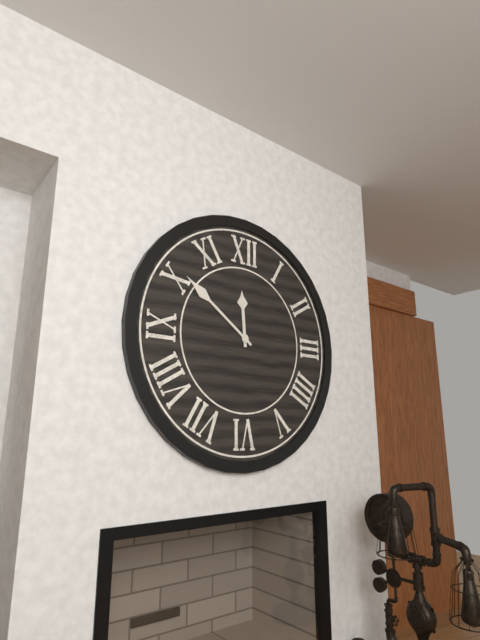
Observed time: 11:51
